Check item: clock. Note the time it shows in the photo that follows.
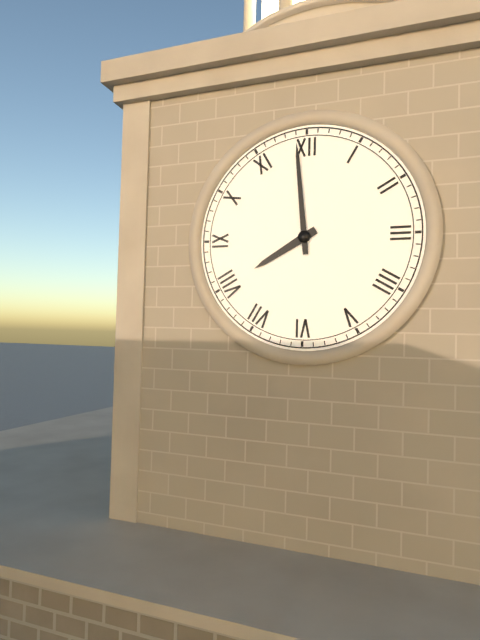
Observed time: 7:59
